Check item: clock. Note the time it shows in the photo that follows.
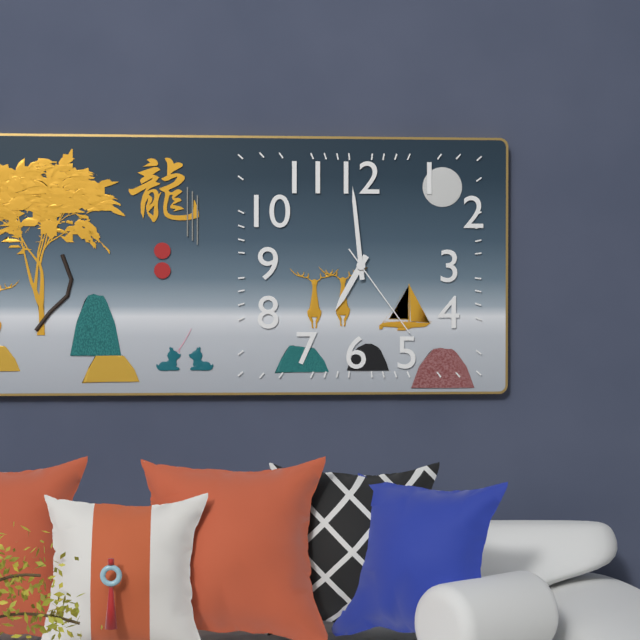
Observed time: 6:59:24
